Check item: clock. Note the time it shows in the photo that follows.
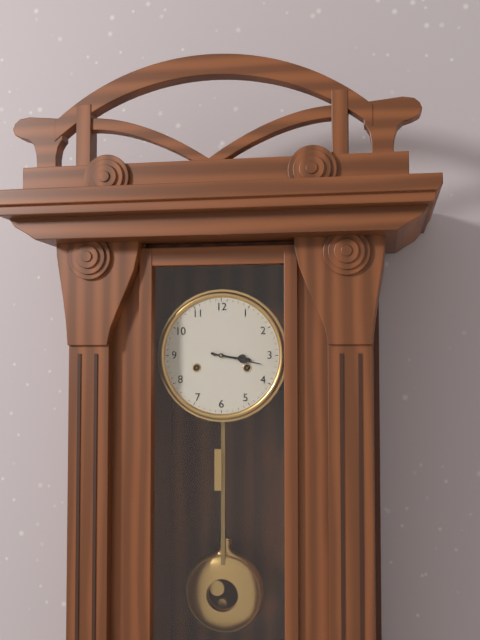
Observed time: 3:17
